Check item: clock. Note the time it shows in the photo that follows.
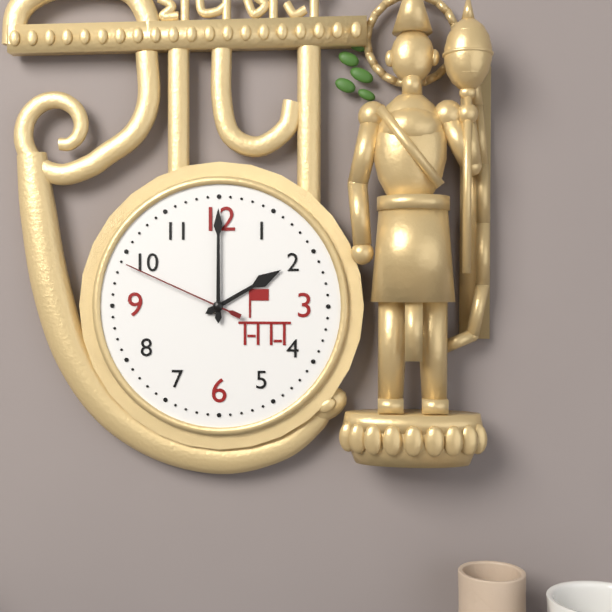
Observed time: 2:00:49
